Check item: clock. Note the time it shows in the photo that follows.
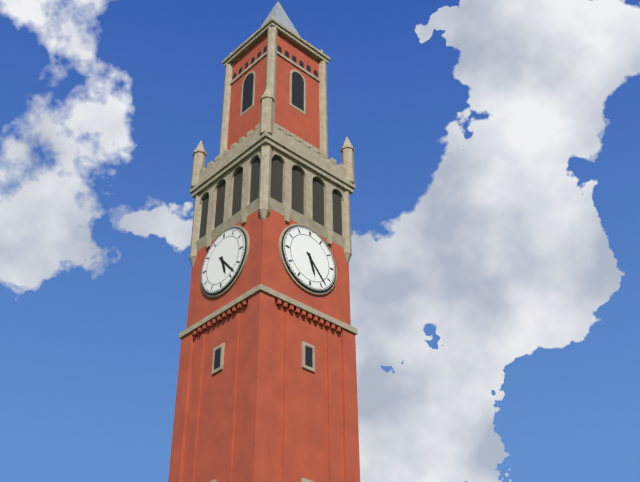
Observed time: 5:23
